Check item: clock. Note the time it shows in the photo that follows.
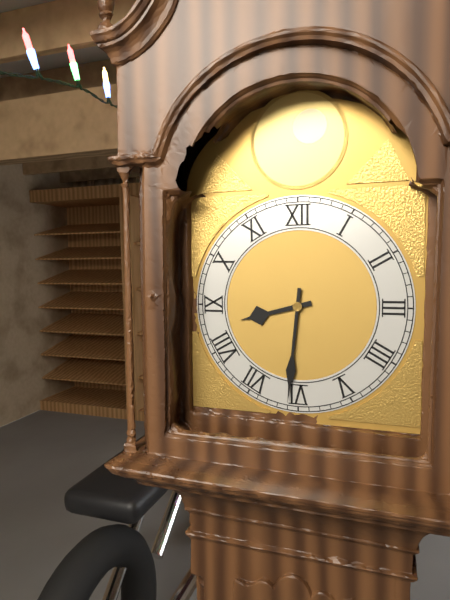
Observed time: 8:31
